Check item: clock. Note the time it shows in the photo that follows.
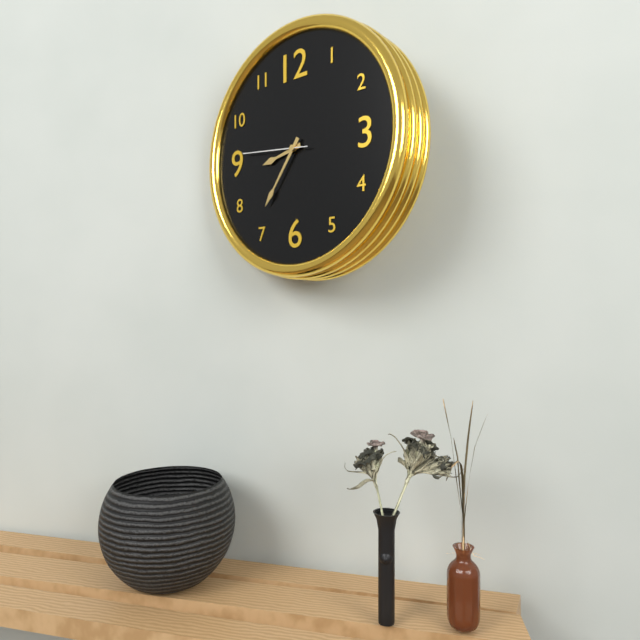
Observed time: 8:36:46
